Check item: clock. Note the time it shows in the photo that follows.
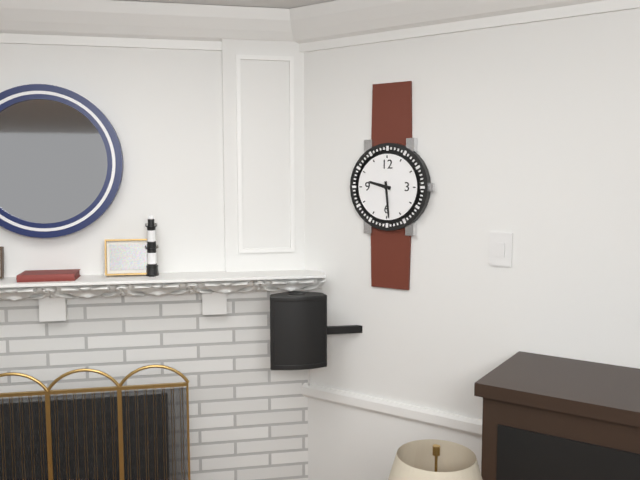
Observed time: 9:29
